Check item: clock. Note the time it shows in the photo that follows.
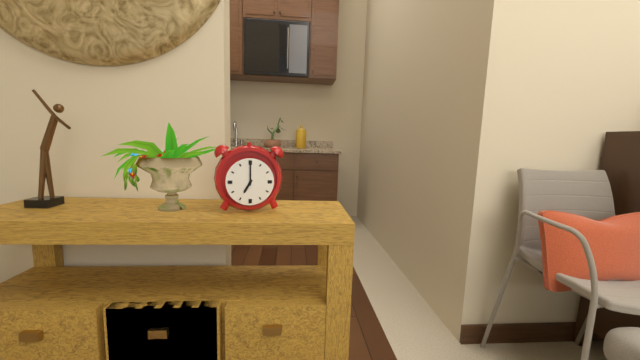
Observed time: 7:00
